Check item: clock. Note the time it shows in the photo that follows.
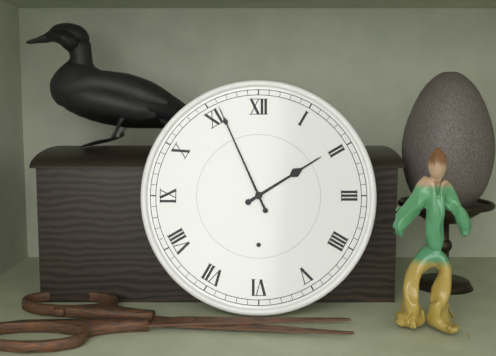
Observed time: 1:56
